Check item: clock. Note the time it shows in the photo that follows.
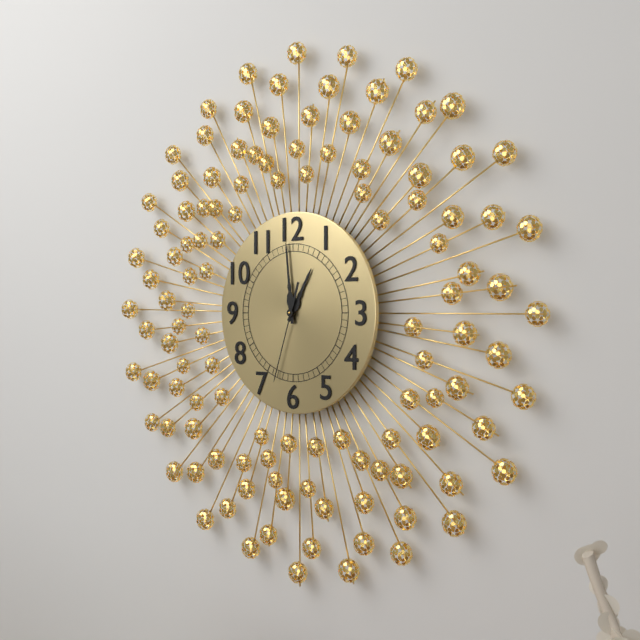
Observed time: 12:59:33
